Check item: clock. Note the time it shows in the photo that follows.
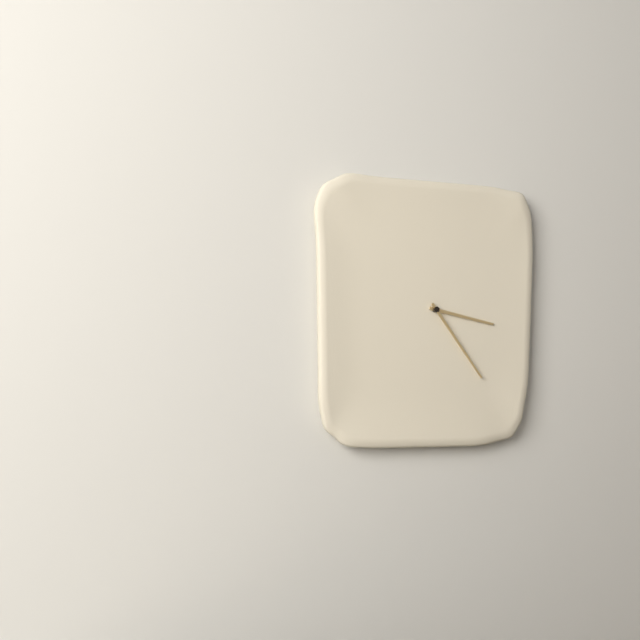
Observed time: 3:24
